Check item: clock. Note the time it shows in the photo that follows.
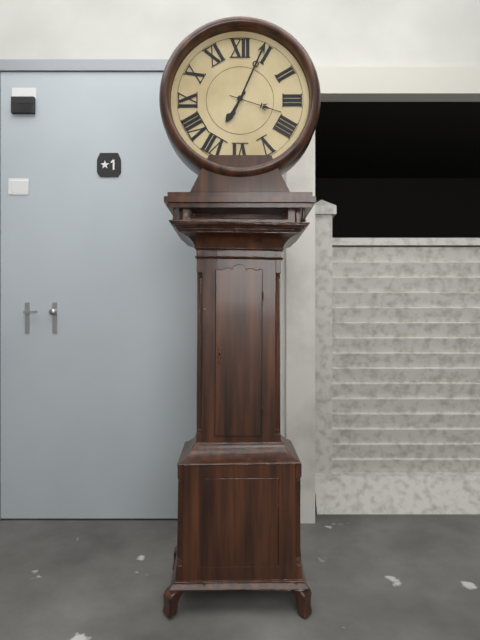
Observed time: 7:04:18
